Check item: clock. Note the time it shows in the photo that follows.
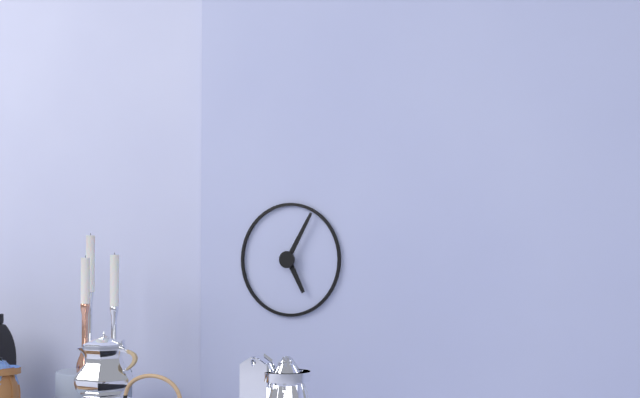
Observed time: 5:05
